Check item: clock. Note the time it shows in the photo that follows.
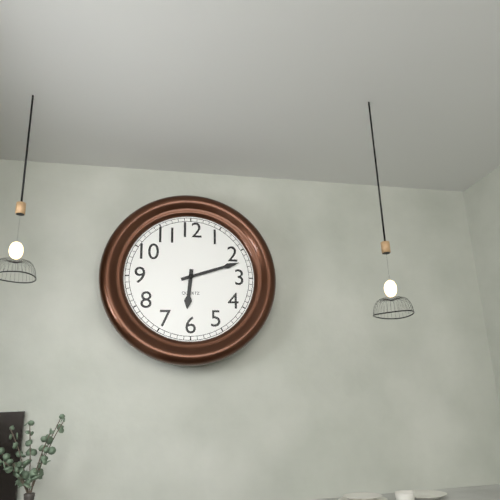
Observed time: 6:12
